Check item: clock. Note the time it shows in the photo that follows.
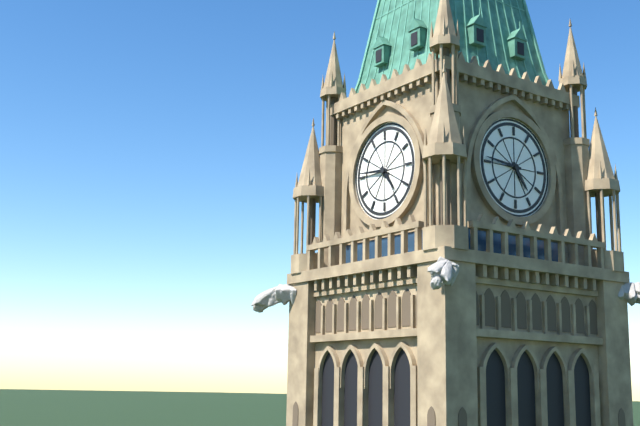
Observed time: 4:46
